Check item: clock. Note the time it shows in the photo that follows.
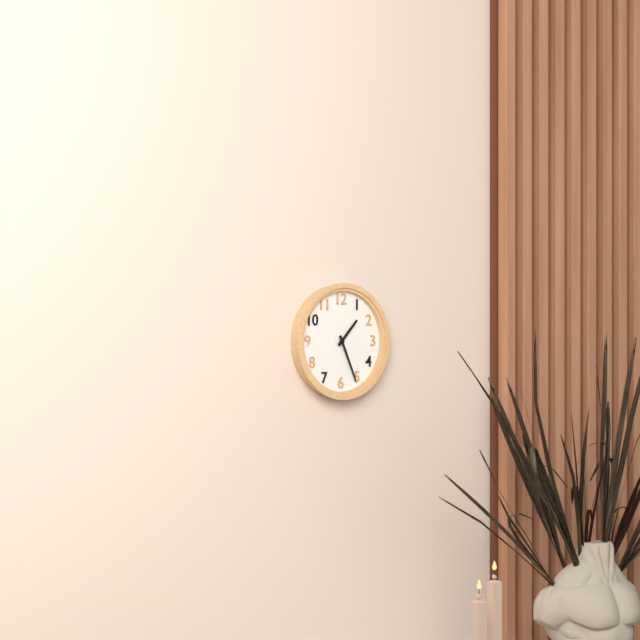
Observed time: 1:26
